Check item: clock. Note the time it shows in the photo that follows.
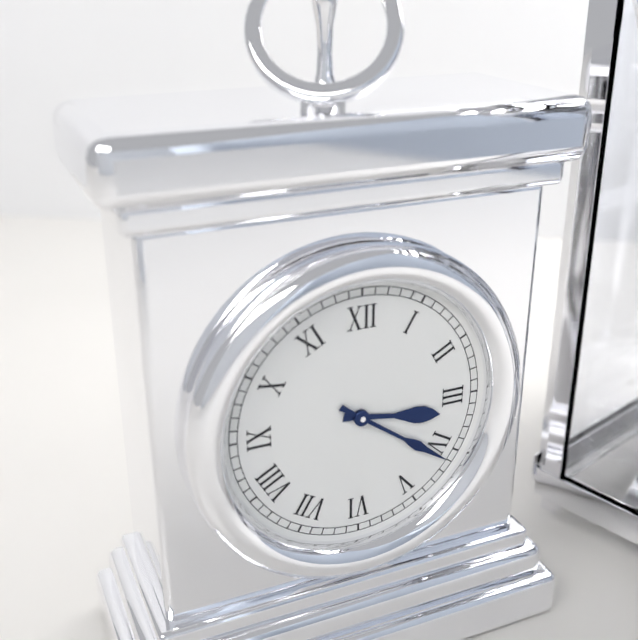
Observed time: 3:21
